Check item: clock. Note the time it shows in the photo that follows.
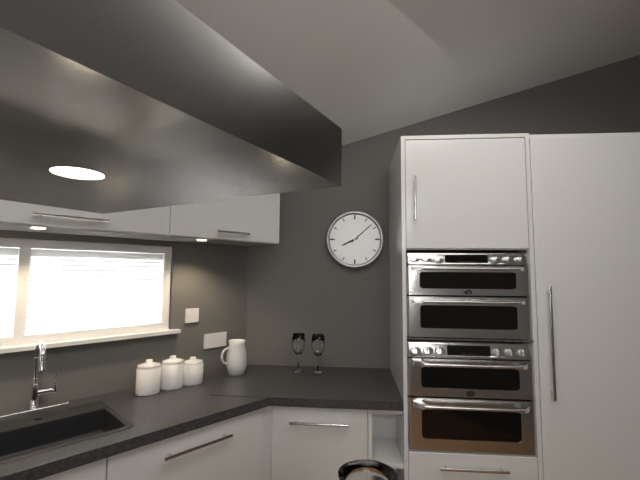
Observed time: 8:08
